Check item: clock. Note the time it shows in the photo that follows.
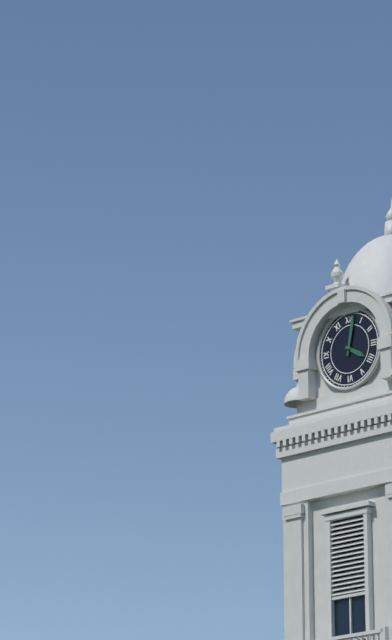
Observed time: 4:02
